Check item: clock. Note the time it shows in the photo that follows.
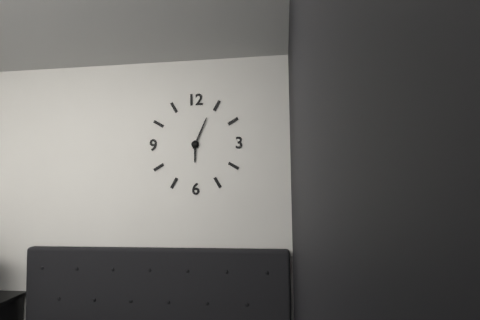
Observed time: 6:04
